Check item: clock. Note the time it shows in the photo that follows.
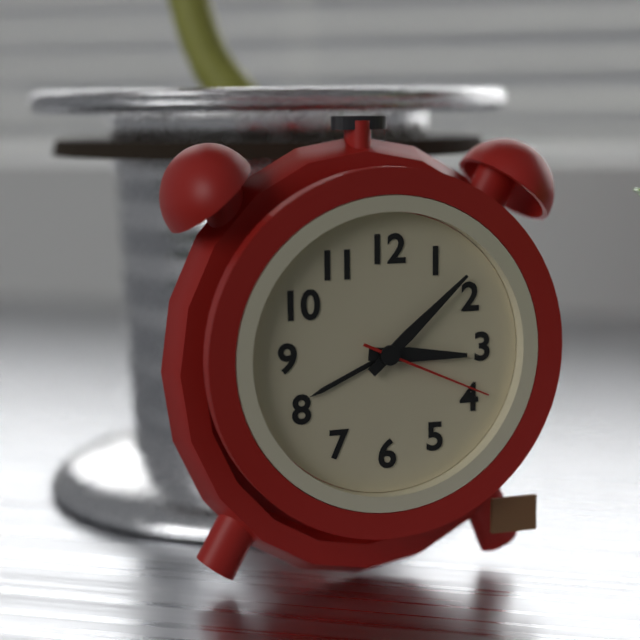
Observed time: 3:08:19
